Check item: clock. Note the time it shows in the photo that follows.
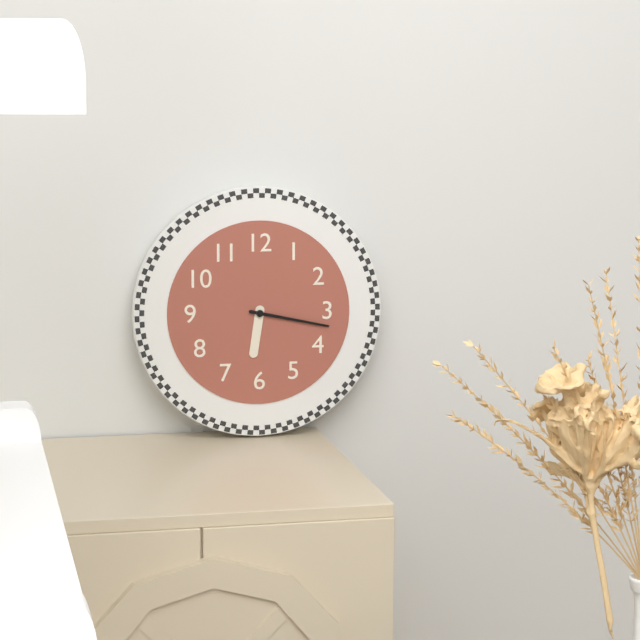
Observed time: 6:17
